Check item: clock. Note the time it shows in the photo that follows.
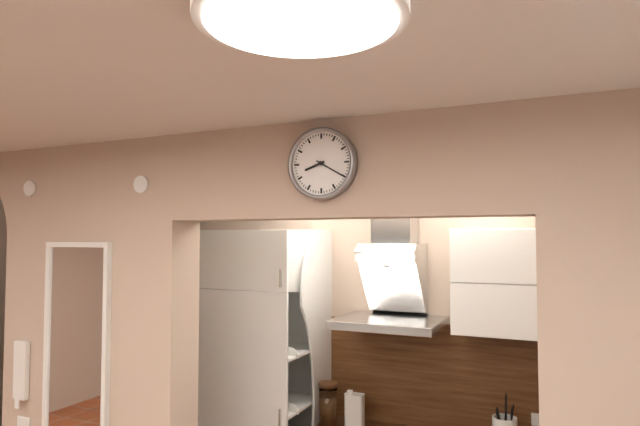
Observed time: 8:20
